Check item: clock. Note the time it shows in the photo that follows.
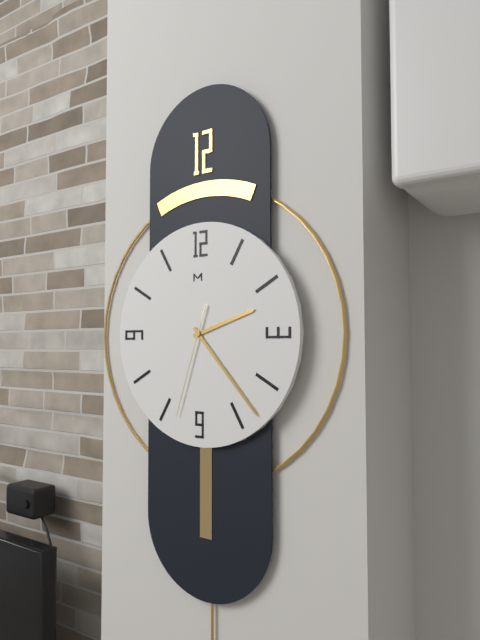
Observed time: 2:23:33
